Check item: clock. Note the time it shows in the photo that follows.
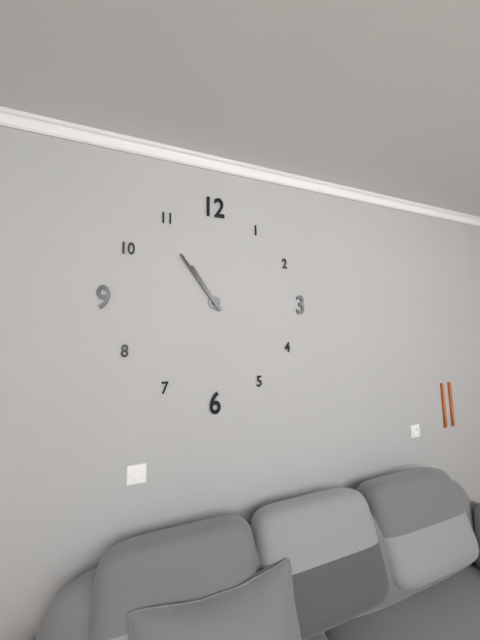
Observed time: 10:54
